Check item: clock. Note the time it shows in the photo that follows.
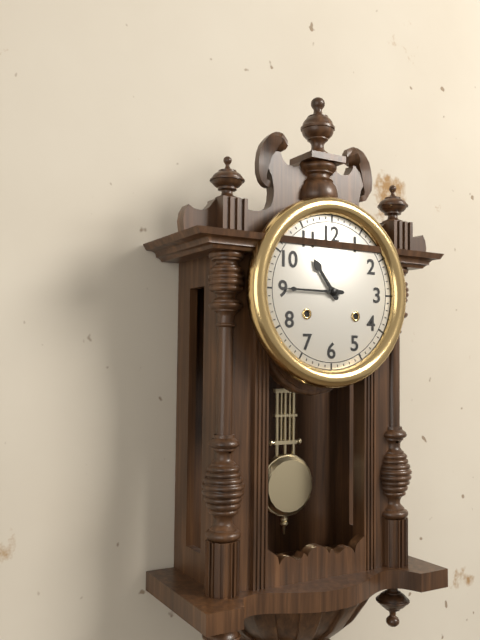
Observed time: 10:45
